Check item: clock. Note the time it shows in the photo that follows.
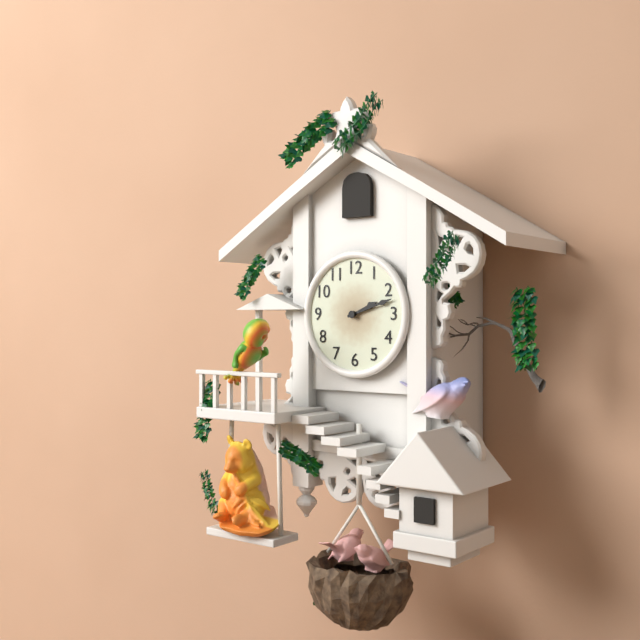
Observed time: 2:12
